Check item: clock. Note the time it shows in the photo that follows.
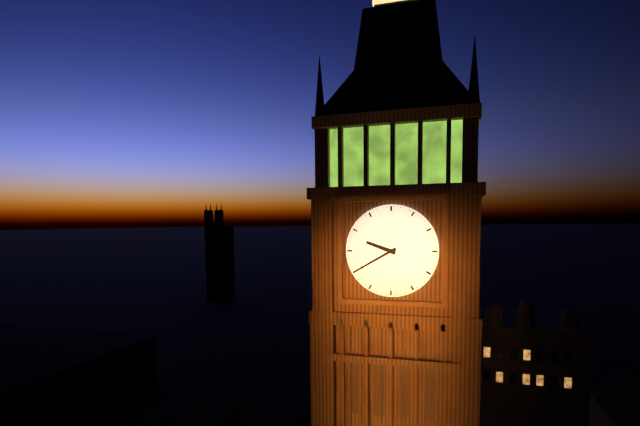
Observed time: 9:40
